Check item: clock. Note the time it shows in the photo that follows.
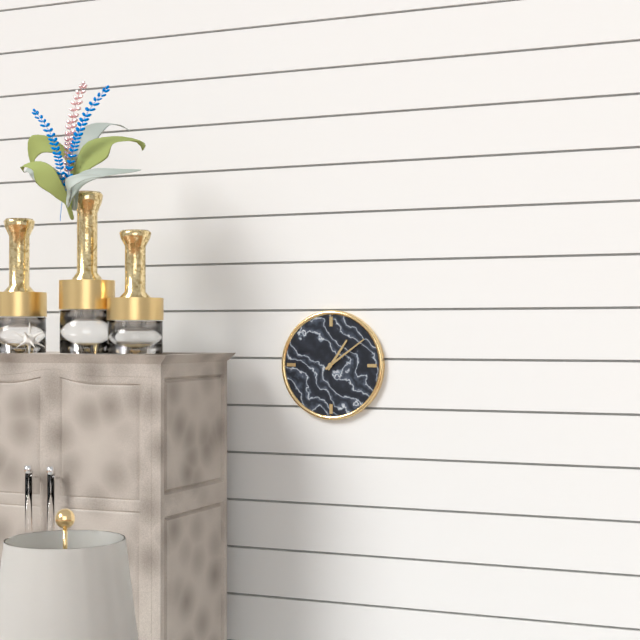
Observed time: 1:09
